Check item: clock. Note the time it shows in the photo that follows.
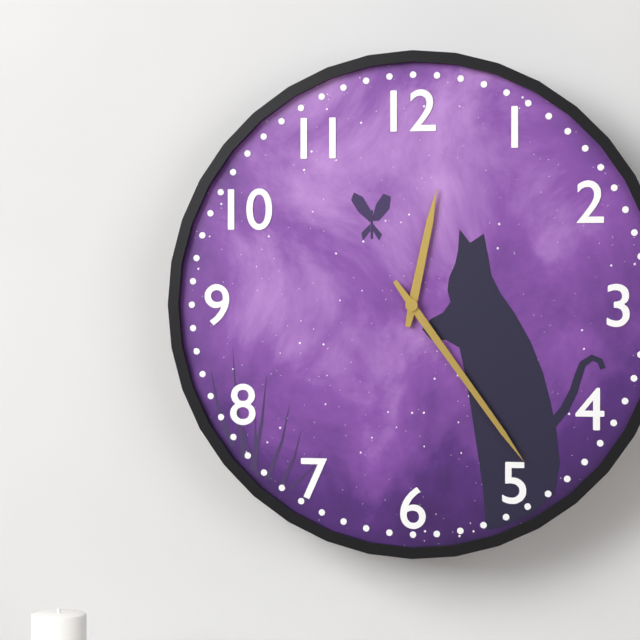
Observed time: 12:24
